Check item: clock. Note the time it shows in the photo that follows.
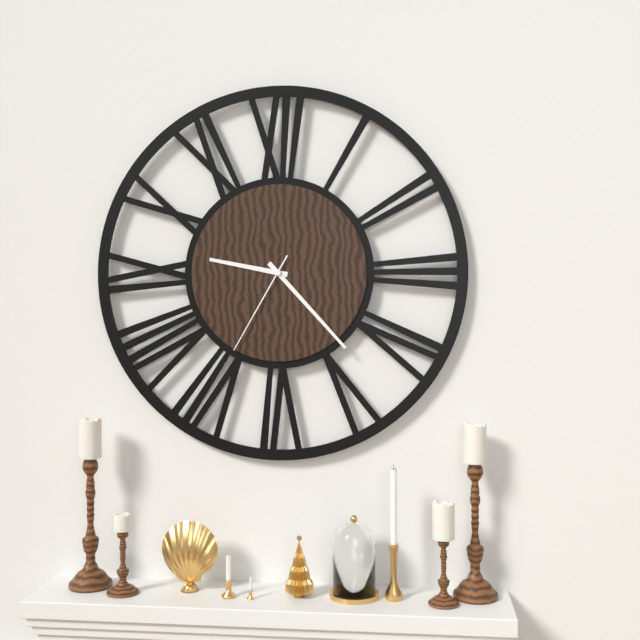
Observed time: 9:23:35
